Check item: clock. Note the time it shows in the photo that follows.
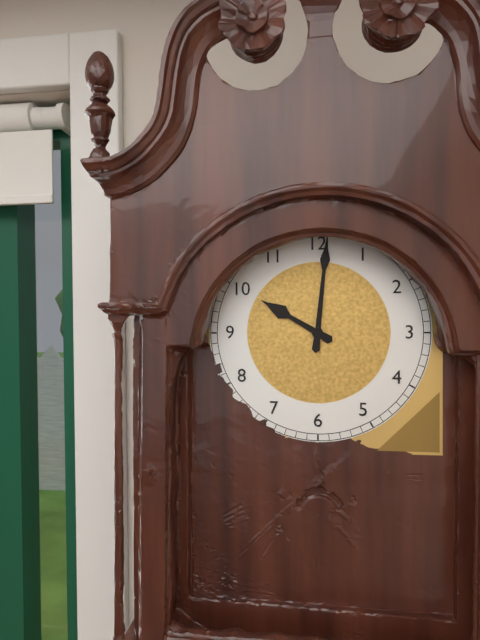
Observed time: 10:01
